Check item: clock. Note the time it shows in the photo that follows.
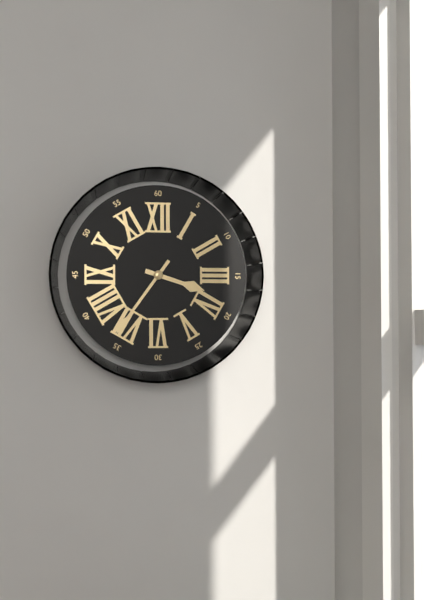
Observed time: 3:36
